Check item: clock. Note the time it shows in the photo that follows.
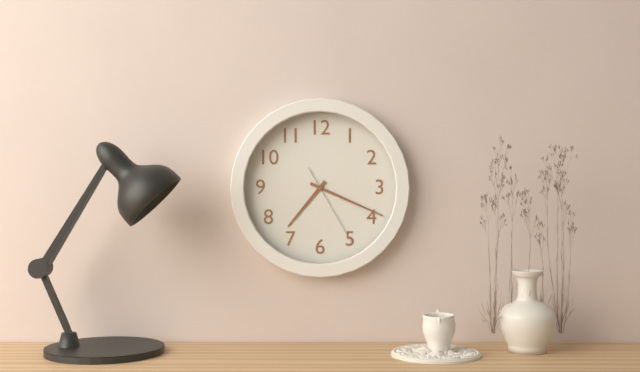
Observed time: 7:19:25
